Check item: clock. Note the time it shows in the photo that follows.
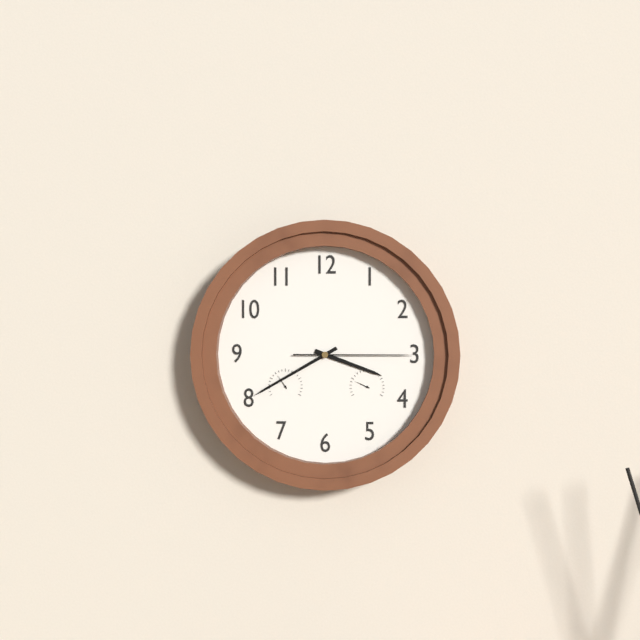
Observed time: 3:40:15
